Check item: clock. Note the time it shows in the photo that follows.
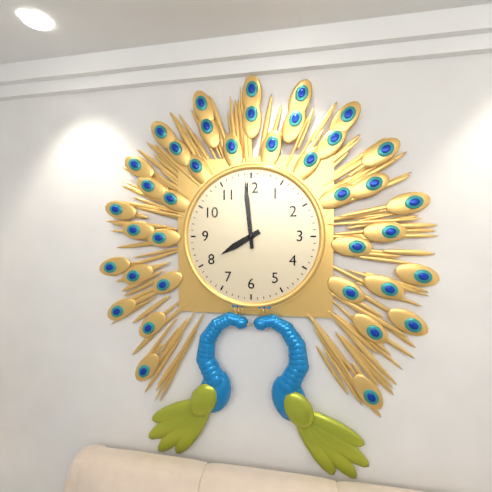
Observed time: 7:59
